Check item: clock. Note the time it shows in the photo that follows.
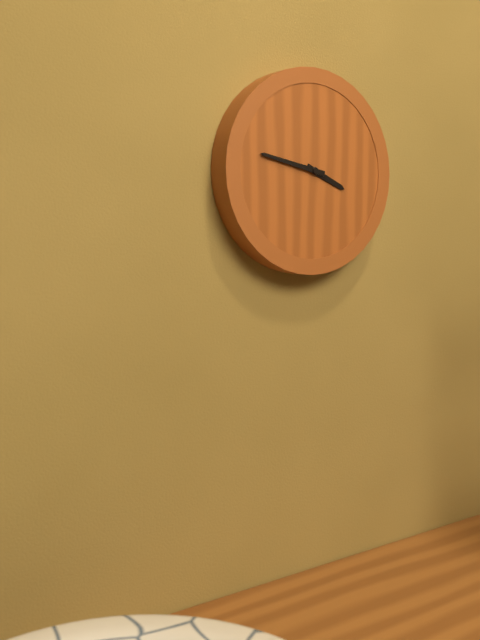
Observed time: 3:47
